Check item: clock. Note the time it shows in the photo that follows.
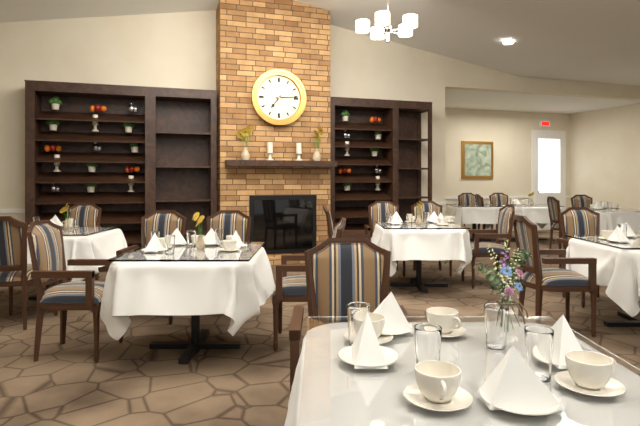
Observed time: 7:14
